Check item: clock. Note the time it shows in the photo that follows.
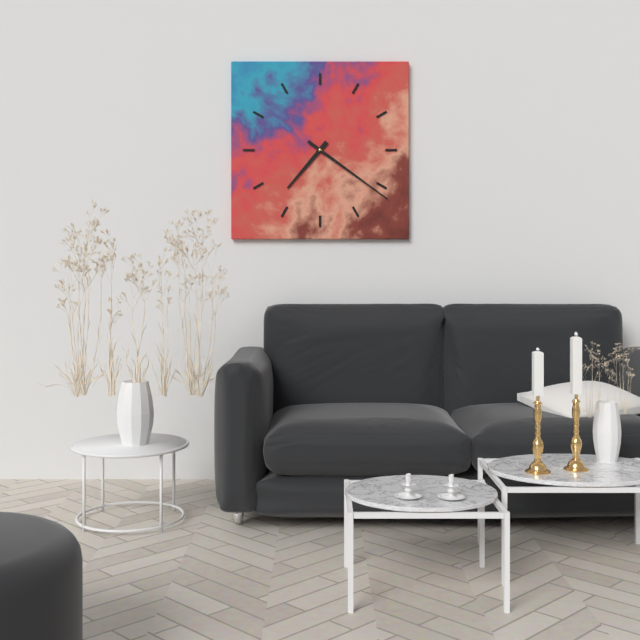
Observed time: 7:21
